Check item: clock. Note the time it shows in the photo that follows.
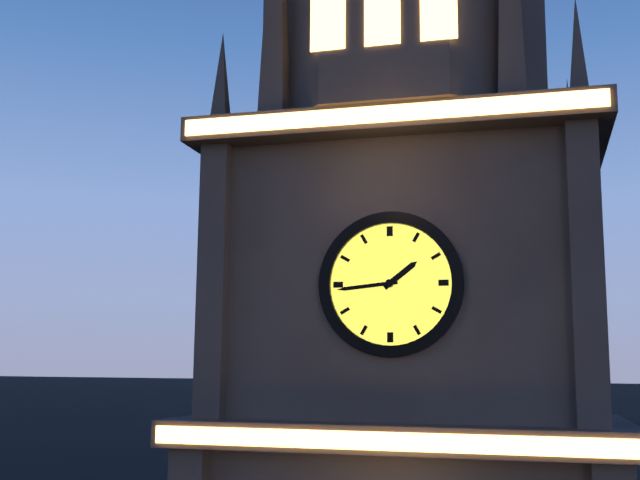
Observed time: 1:44
